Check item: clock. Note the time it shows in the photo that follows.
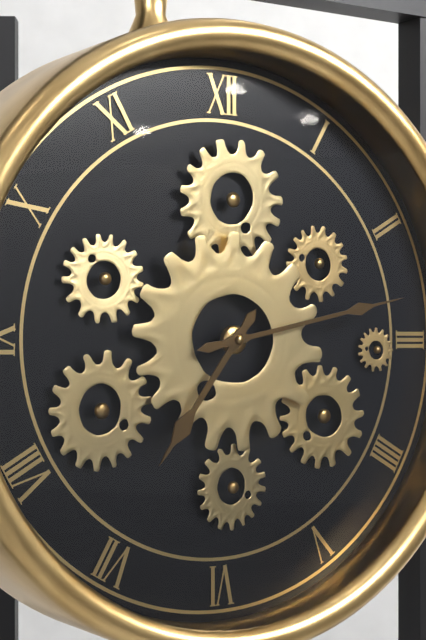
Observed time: 7:13
